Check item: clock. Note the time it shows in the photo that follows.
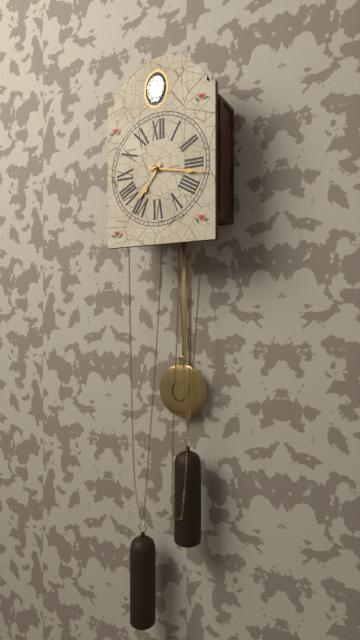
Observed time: 7:17
